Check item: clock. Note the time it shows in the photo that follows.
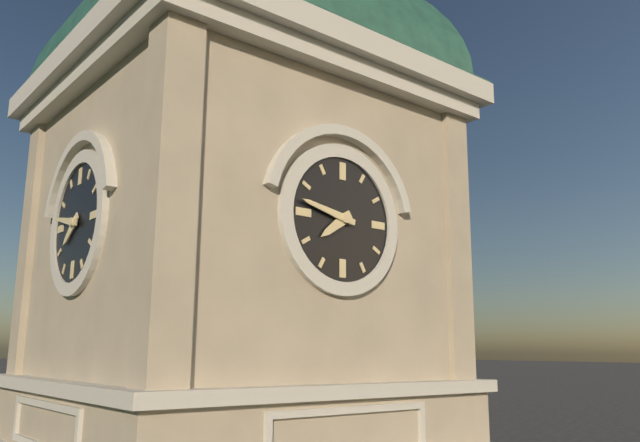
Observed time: 7:47
